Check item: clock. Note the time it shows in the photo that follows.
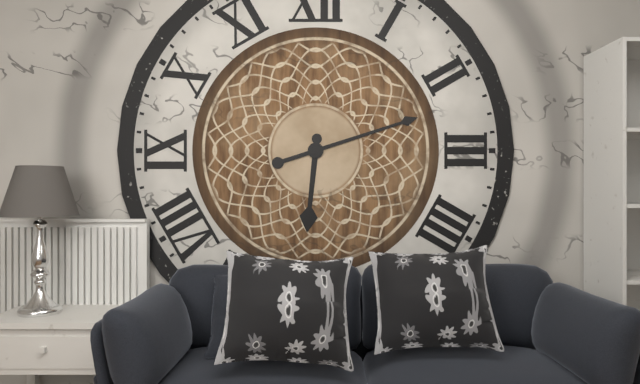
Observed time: 6:12
